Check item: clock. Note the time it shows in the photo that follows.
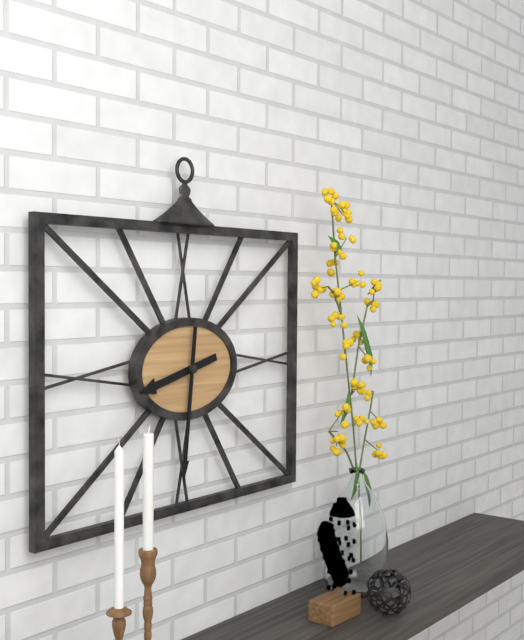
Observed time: 8:31
